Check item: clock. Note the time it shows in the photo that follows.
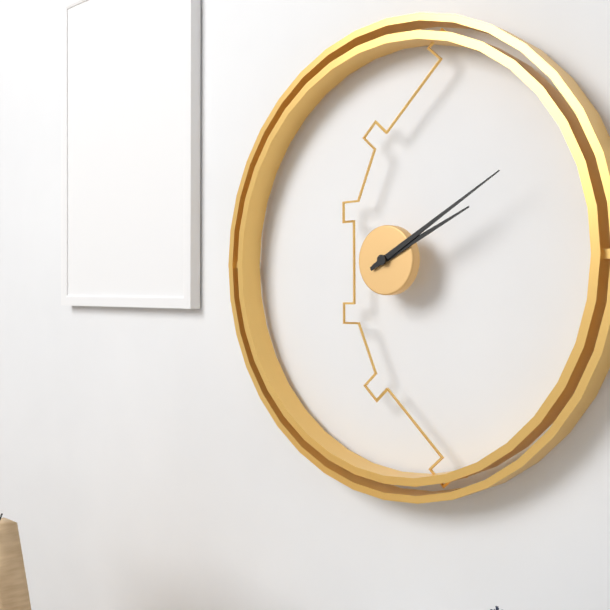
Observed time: 2:10
